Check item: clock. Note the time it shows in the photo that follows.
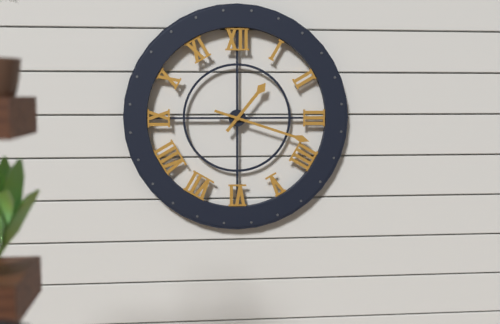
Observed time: 1:18
